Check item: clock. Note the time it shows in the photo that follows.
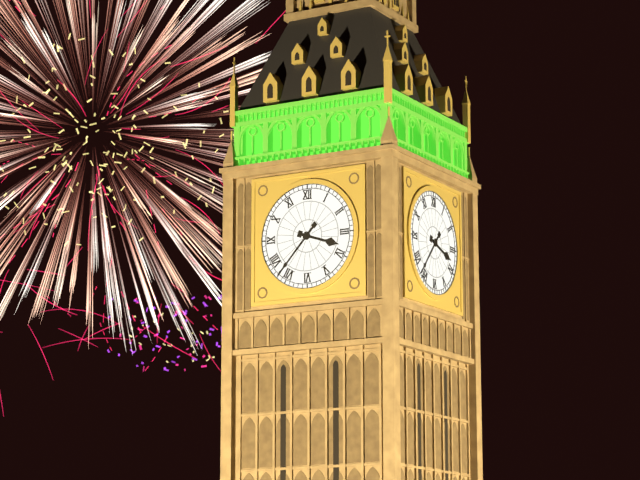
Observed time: 3:37
